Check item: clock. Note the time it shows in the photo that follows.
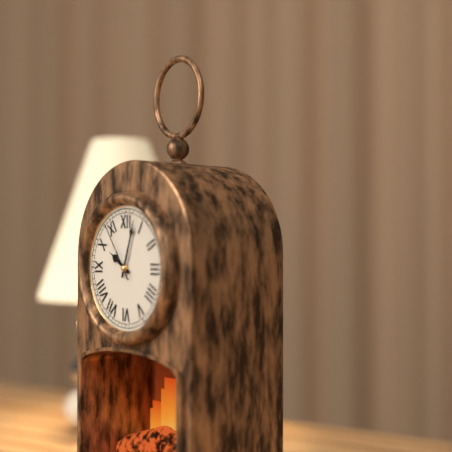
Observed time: 10:03:54
